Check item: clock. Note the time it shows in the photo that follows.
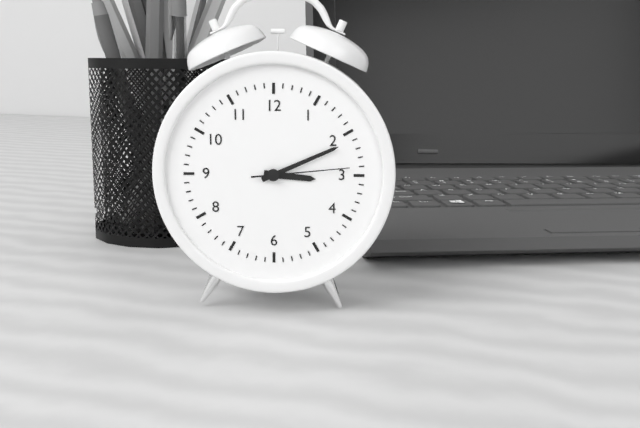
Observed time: 3:11:14
